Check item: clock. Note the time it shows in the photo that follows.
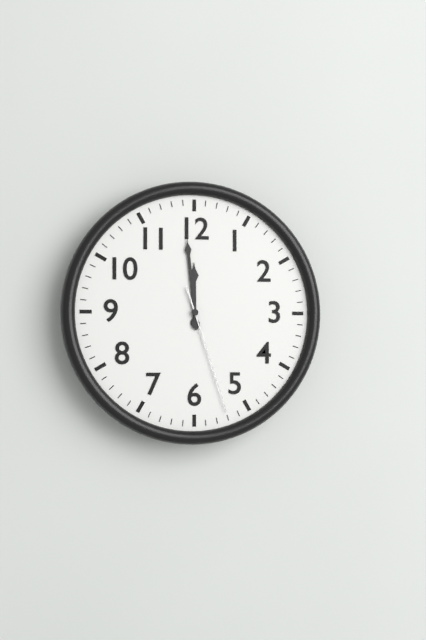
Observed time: 11:59:27
